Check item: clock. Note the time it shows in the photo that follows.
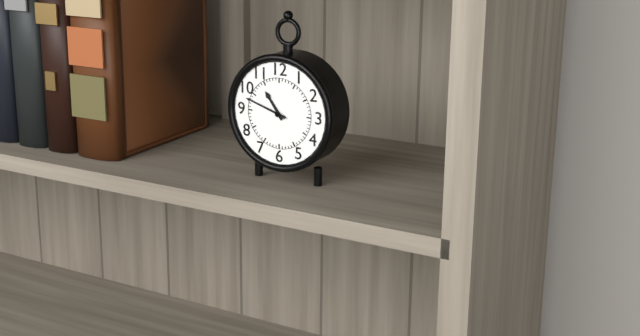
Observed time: 10:48
